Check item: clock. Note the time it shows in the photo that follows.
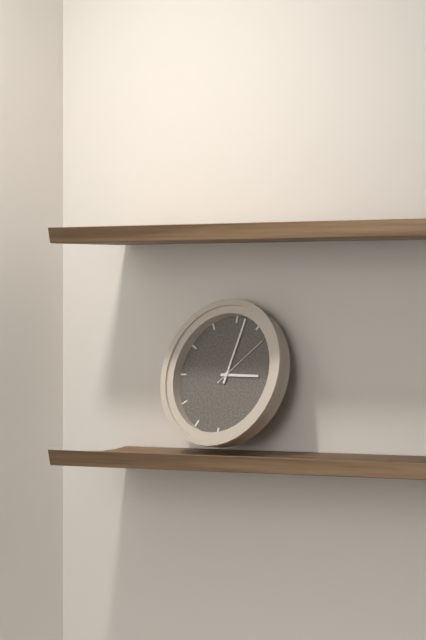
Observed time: 3:02:08
